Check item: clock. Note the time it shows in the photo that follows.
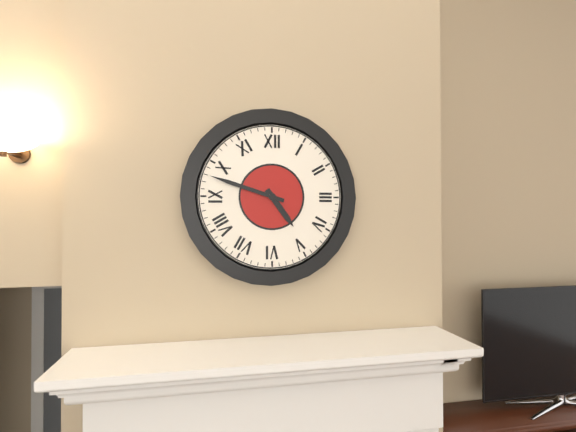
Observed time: 4:48
